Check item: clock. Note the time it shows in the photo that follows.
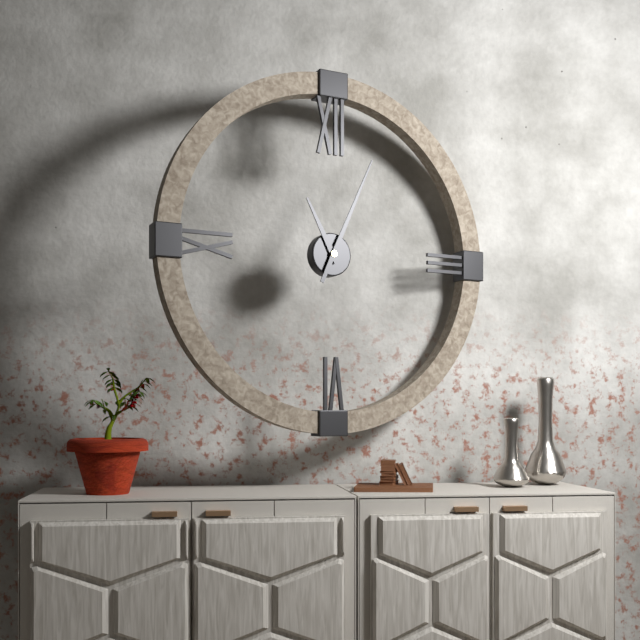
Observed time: 11:04
